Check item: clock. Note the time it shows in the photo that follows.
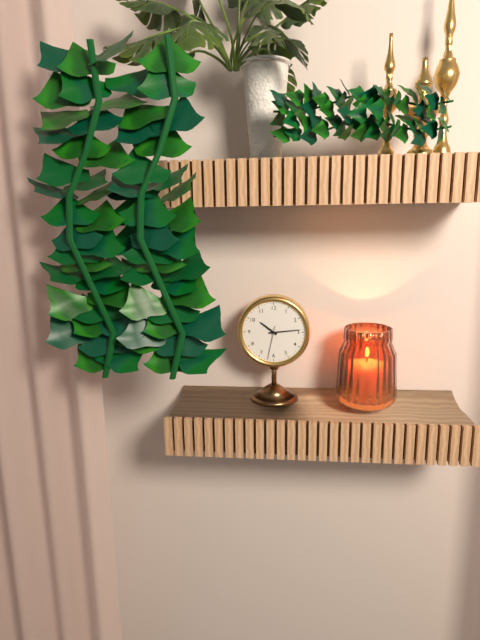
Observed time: 10:14
